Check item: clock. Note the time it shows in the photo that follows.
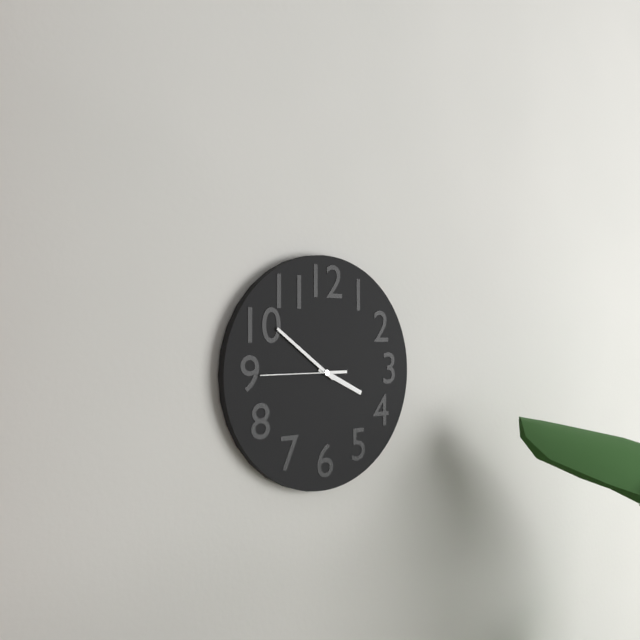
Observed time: 3:51:45
